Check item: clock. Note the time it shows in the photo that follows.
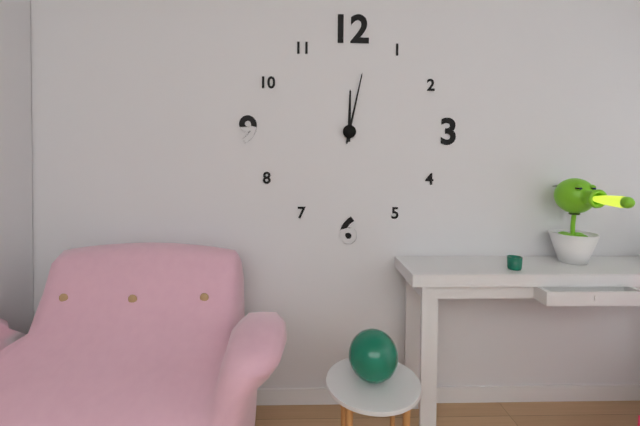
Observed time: 12:02
